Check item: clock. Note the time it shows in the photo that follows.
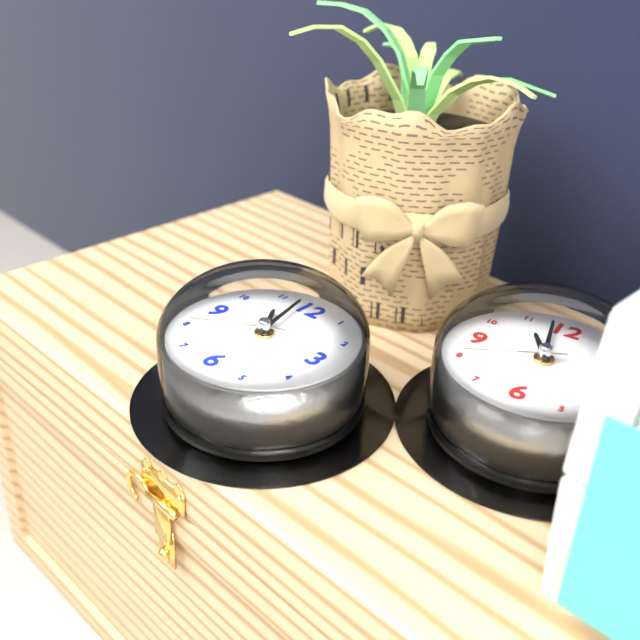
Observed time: 10:58:40
